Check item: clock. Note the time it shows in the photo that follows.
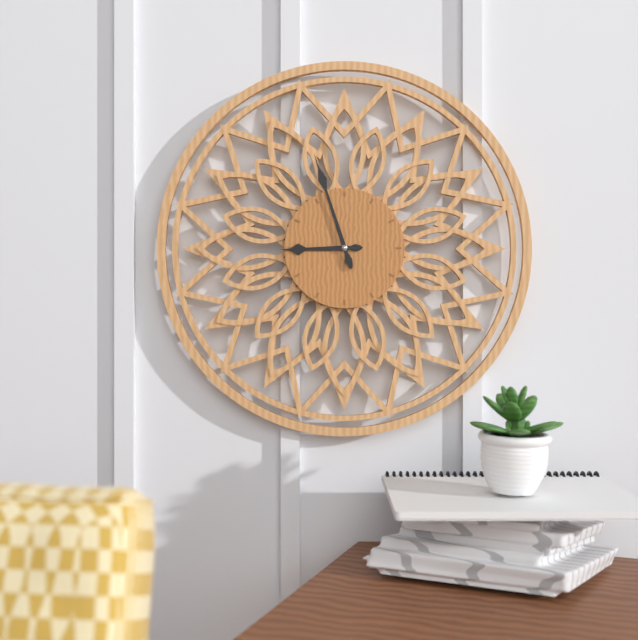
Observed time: 8:57
